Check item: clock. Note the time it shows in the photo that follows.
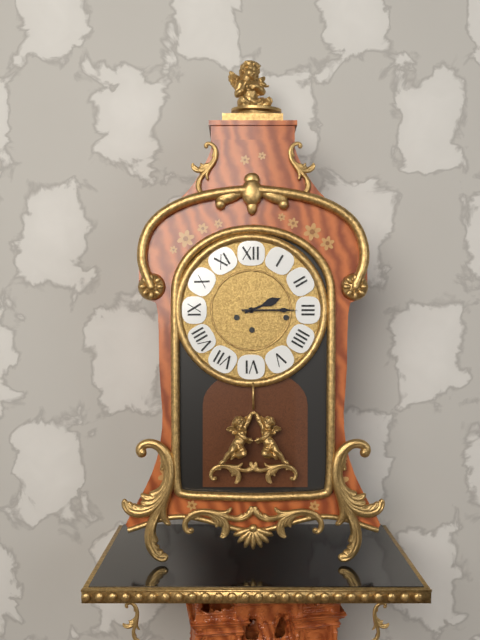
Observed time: 2:15
